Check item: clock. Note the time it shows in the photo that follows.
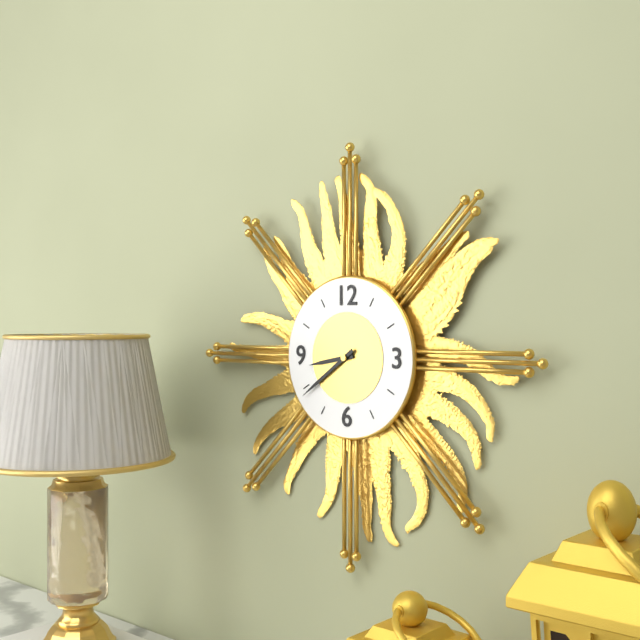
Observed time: 8:39
